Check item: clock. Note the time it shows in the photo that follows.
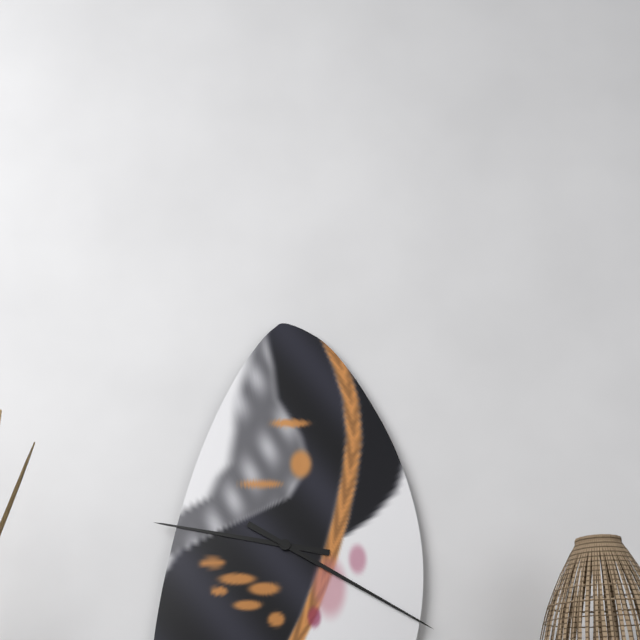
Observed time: 9:20
